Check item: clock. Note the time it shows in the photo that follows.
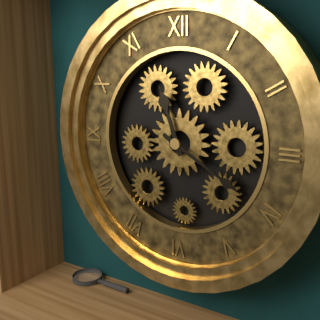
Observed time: 11:20
